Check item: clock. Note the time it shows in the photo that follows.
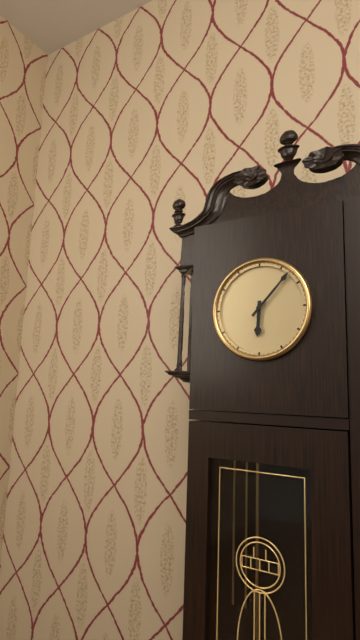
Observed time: 6:07
